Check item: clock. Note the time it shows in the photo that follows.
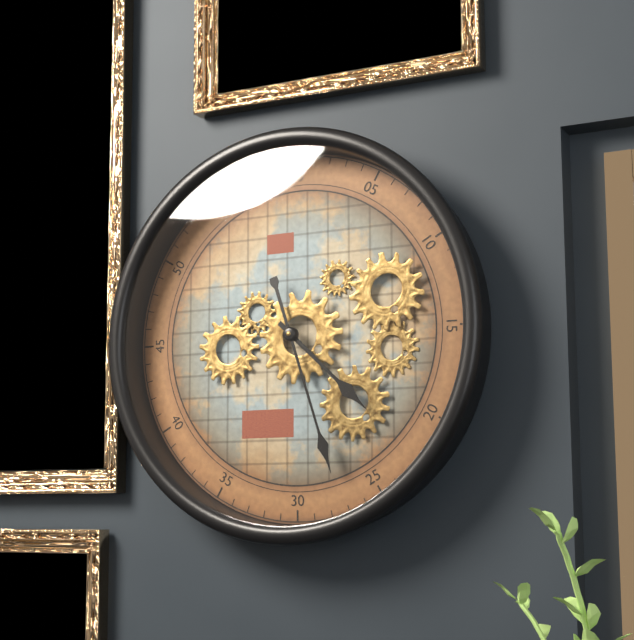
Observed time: 4:27
